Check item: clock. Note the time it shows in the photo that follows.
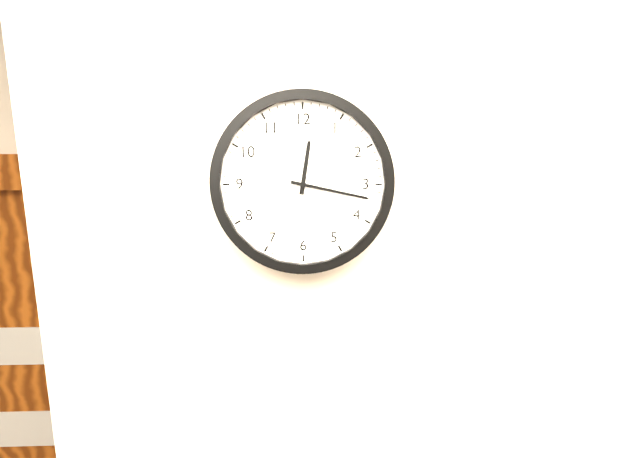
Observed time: 12:17
